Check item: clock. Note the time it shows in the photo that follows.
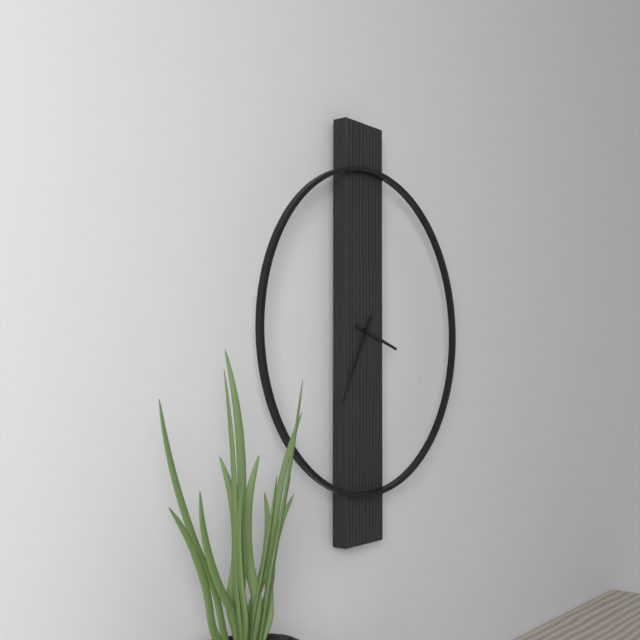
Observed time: 3:35
